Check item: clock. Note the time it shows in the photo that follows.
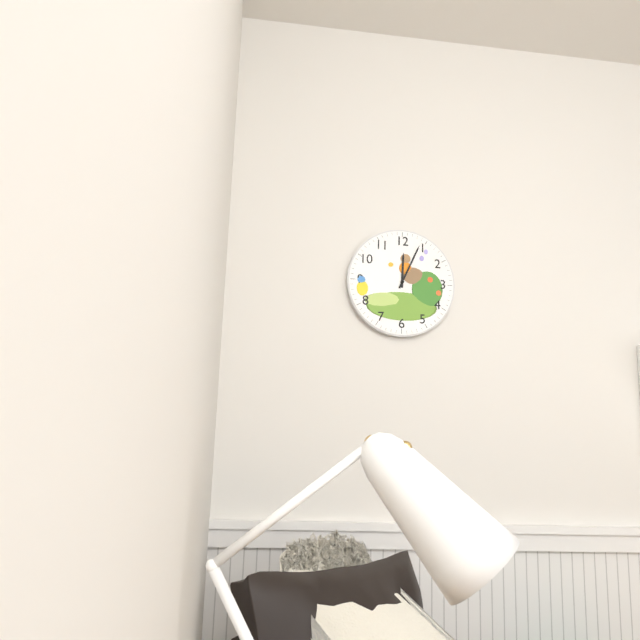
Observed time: 12:04
